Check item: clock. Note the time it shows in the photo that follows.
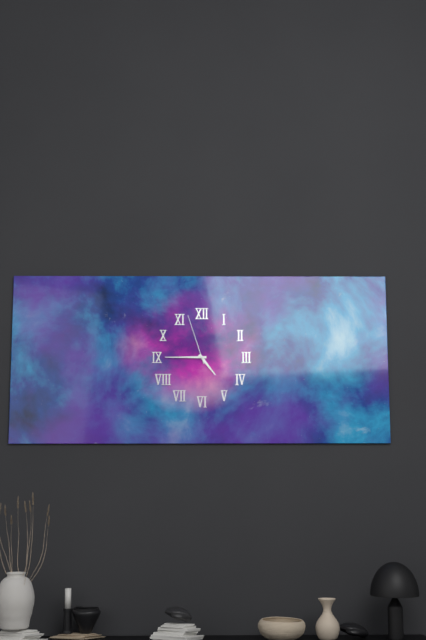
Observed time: 4:45:57
